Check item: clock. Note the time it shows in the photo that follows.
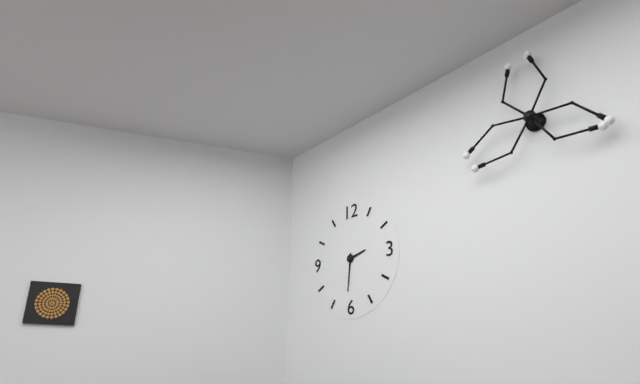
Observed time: 2:31
